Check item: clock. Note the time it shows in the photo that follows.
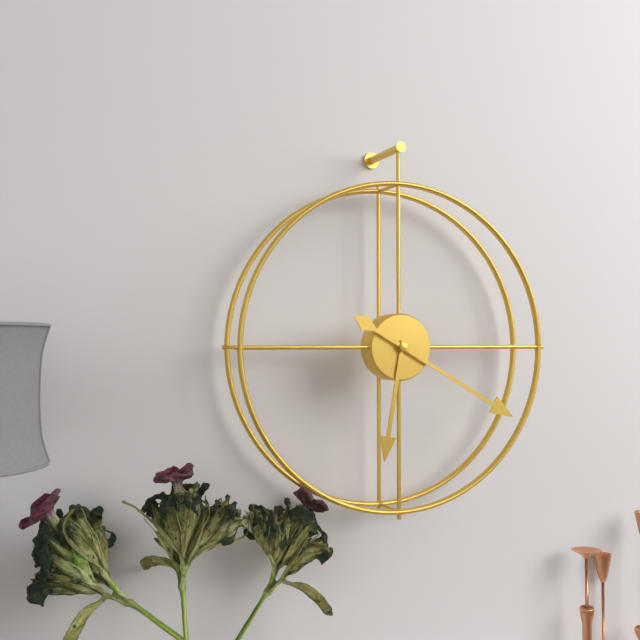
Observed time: 6:20
